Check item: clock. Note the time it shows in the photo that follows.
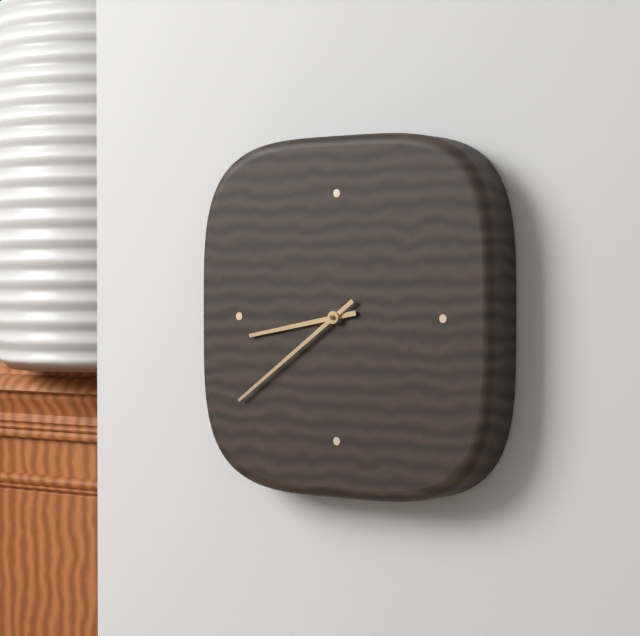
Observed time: 8:39
